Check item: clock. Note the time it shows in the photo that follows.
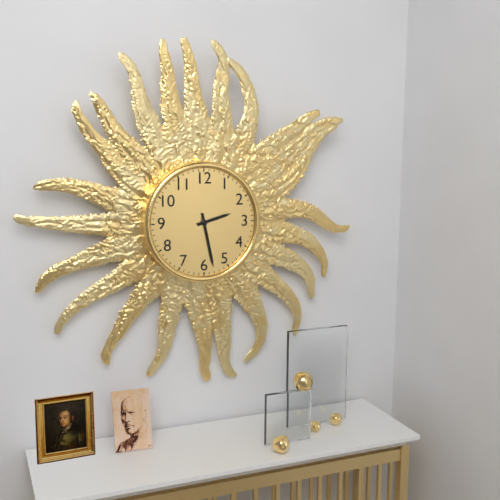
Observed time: 2:28
